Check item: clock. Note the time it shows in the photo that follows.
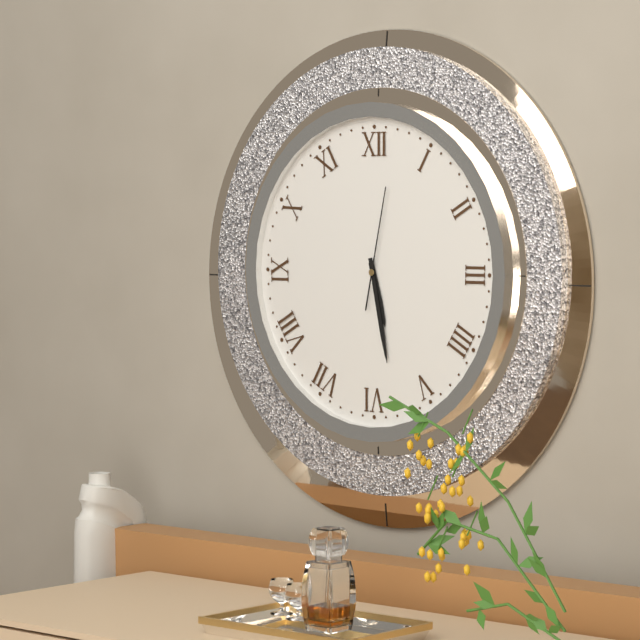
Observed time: 5:28:02
